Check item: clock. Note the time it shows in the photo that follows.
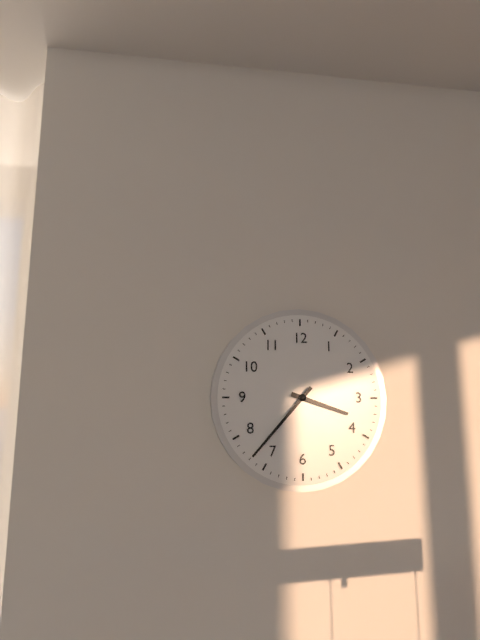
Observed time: 3:37
